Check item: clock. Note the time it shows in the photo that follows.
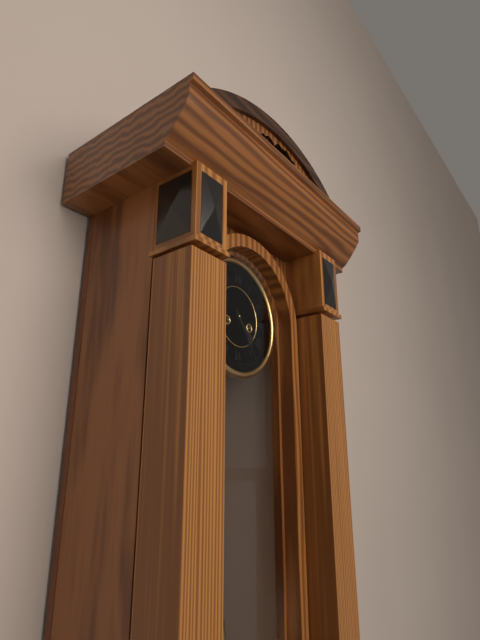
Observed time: 4:24
